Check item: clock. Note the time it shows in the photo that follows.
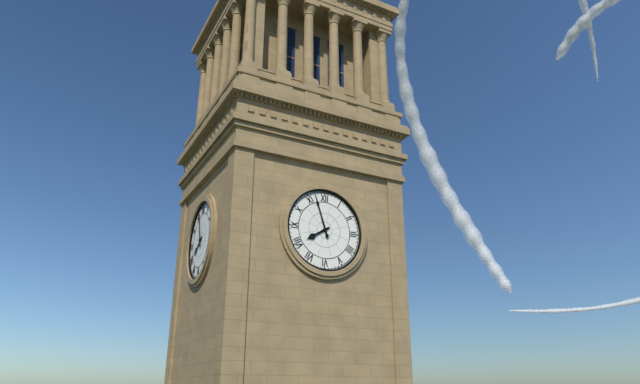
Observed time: 7:57
